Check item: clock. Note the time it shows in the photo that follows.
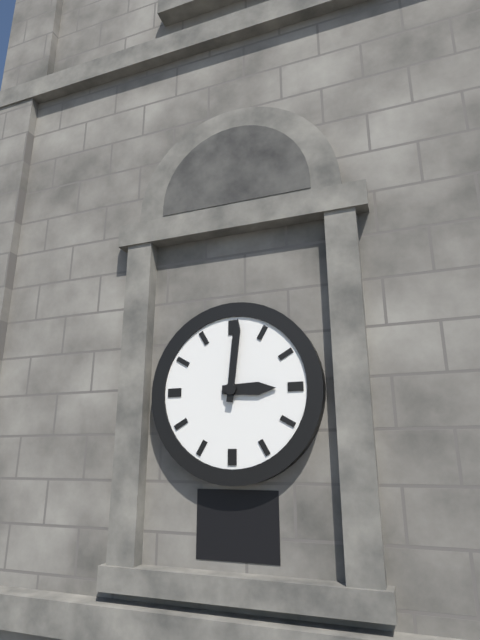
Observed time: 3:01
